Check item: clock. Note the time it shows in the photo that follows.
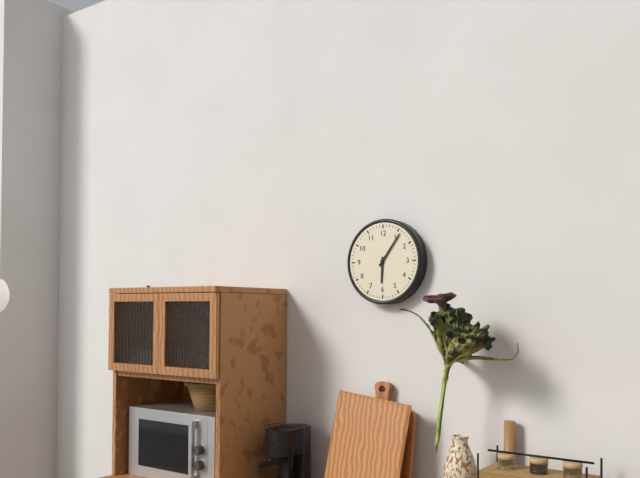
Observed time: 6:06
